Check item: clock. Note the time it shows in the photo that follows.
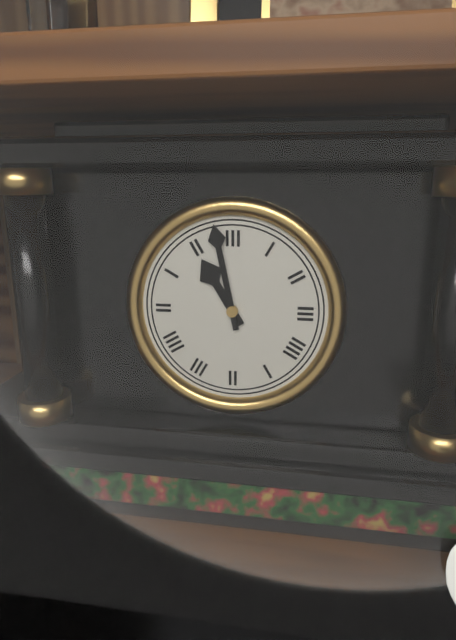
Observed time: 10:58
